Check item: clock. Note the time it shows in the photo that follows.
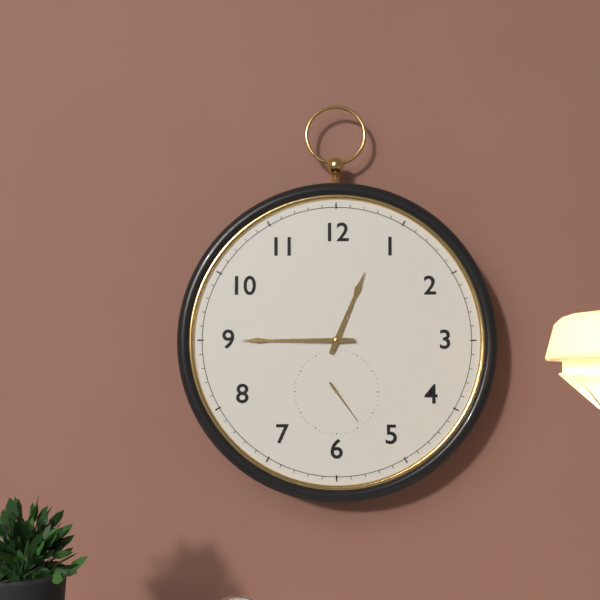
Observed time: 12:45
